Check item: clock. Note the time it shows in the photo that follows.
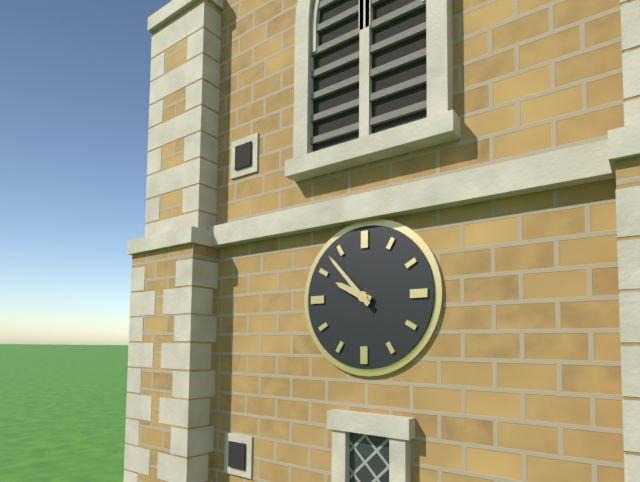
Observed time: 9:53
